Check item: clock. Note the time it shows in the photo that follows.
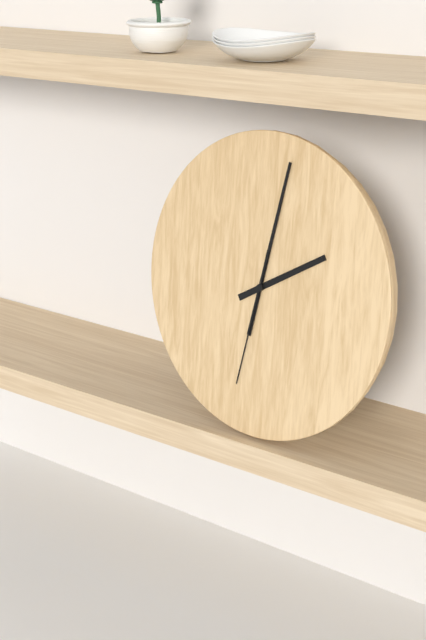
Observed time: 2:02:32
